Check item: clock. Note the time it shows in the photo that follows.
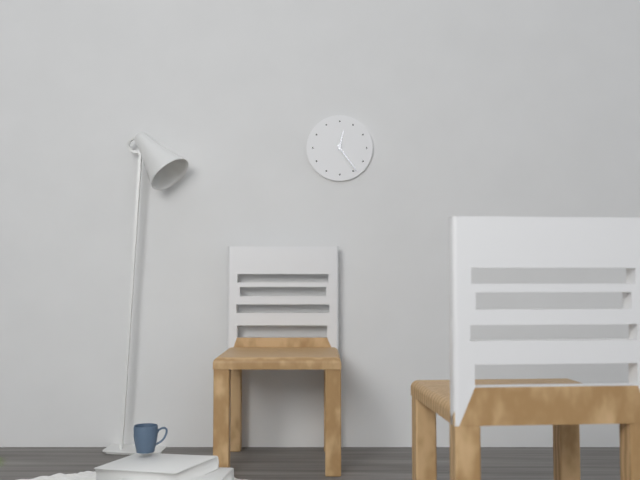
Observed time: 12:24
